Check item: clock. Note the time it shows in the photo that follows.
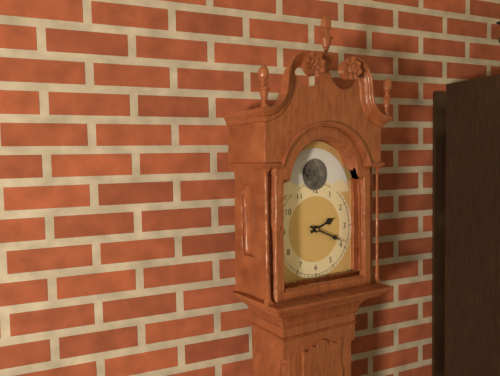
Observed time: 2:19
